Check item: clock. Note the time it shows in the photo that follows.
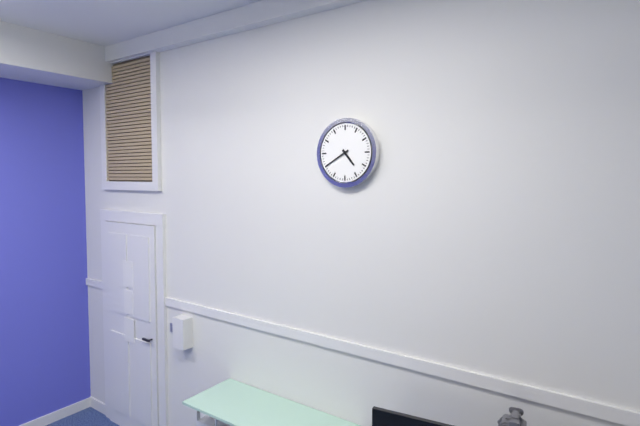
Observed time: 4:40
